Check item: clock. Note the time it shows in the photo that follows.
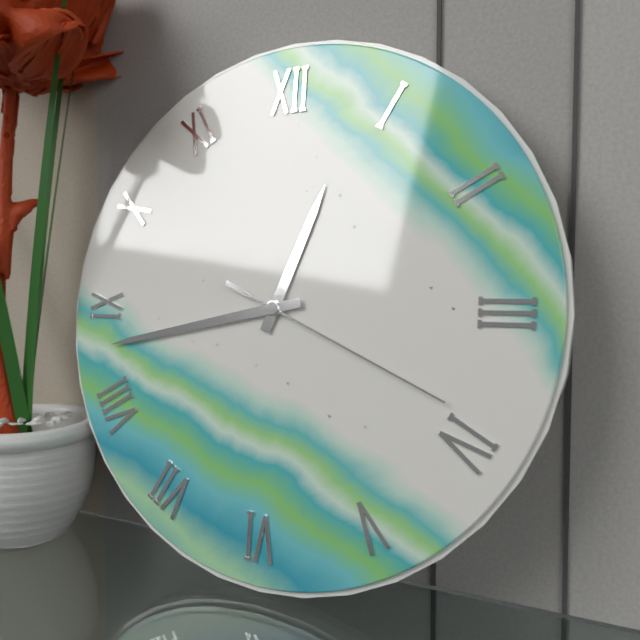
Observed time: 12:43:19
